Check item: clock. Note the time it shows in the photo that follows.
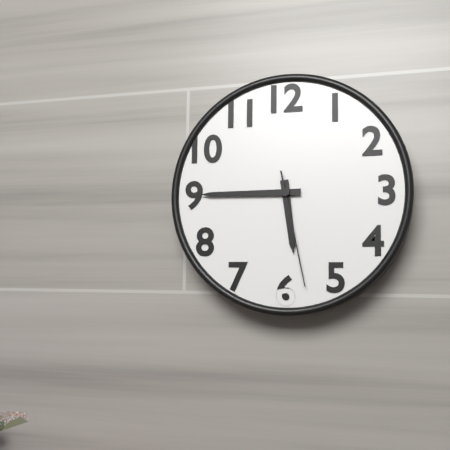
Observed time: 5:45:28
